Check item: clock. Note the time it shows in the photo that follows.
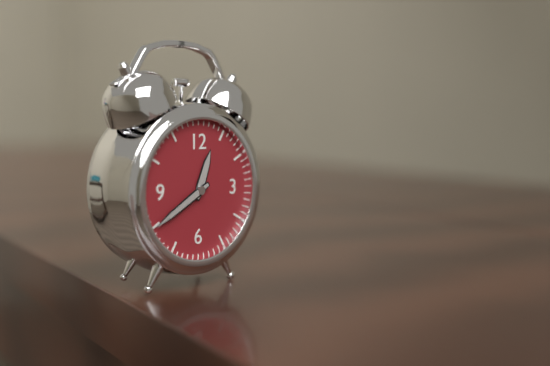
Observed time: 12:40
